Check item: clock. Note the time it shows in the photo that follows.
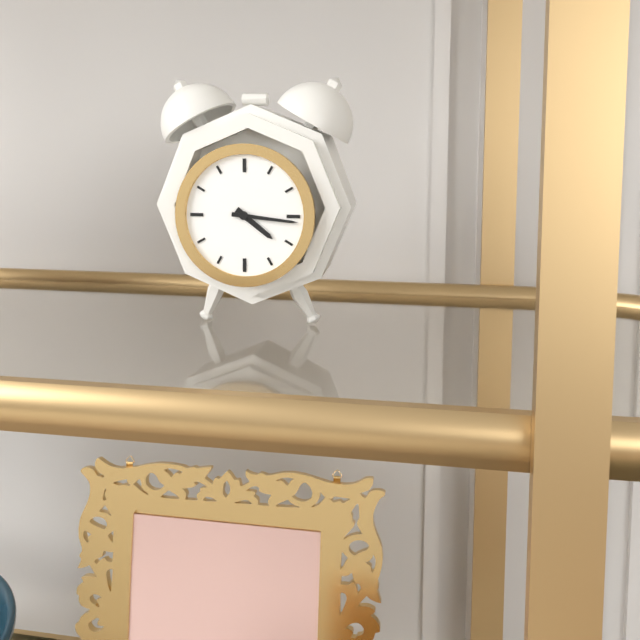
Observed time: 4:16
